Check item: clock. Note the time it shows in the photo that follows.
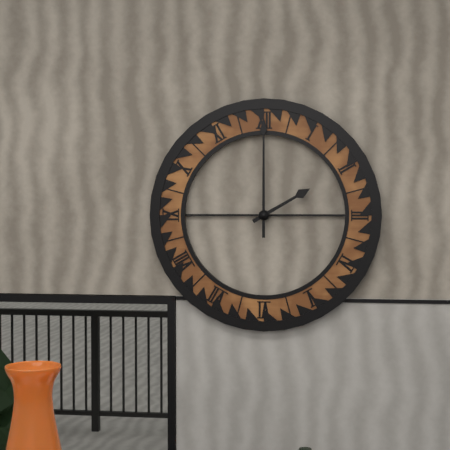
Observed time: 2:00
